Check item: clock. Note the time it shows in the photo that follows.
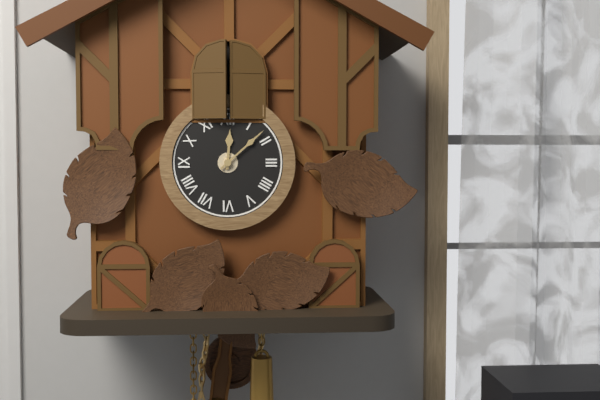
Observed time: 12:08
